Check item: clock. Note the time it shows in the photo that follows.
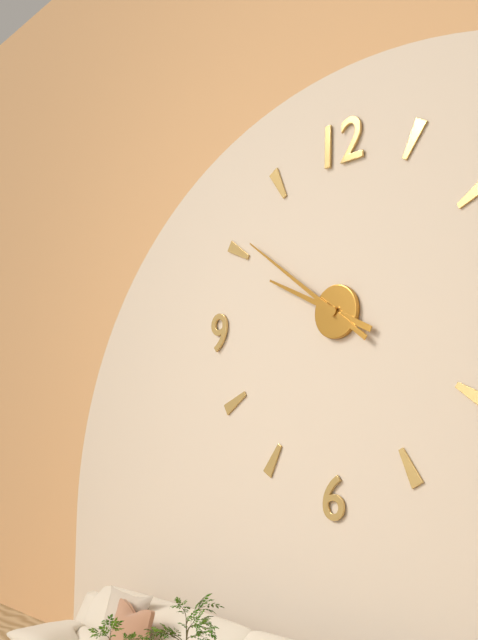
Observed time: 9:51
